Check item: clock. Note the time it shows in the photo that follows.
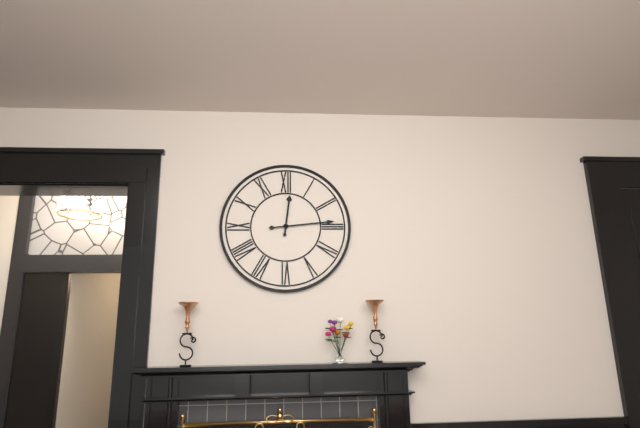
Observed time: 12:14
